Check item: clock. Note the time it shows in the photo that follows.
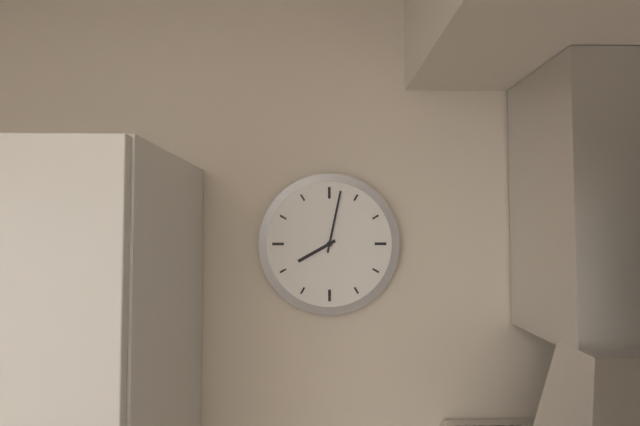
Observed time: 8:02
